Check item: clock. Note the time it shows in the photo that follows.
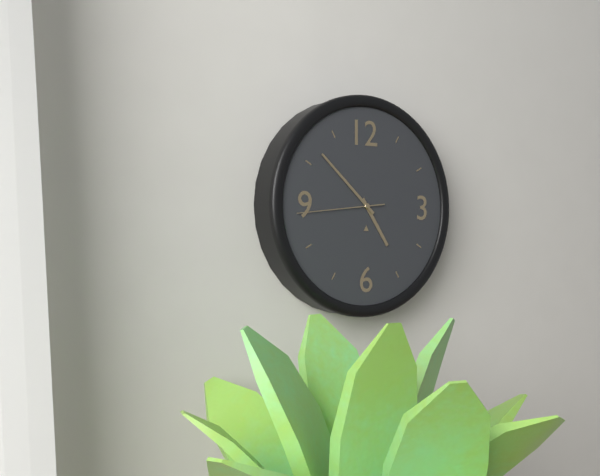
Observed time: 4:52:44
